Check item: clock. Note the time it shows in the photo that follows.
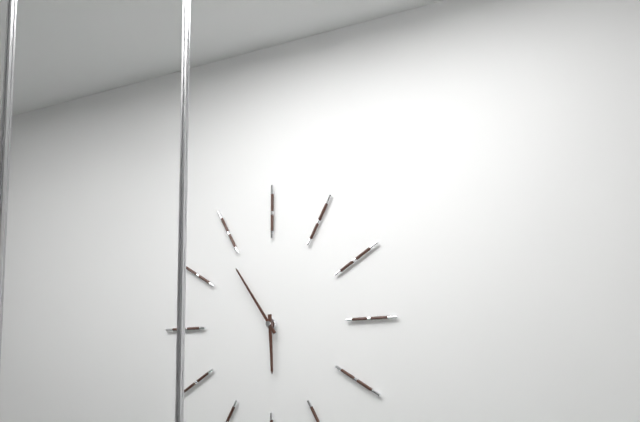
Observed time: 5:54
